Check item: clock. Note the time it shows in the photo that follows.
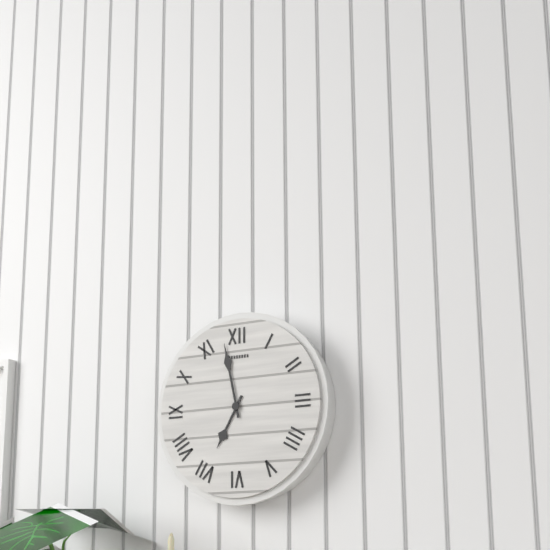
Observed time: 6:58
